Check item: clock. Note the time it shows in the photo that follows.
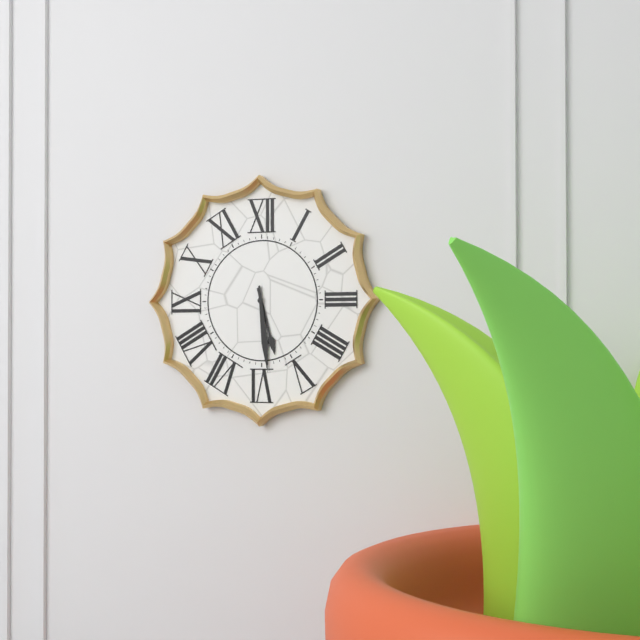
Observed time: 5:29
